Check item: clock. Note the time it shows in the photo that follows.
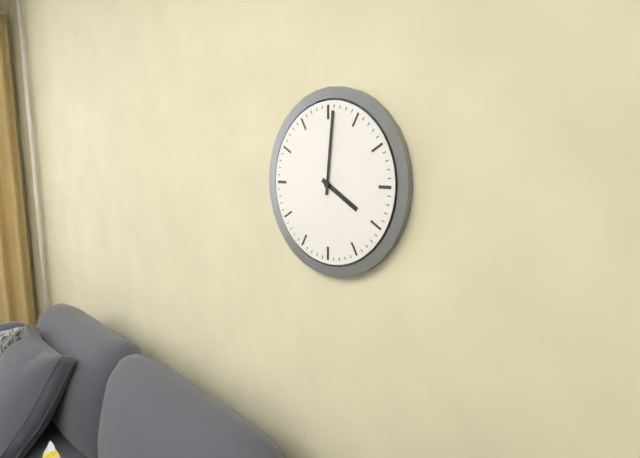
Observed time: 4:01
